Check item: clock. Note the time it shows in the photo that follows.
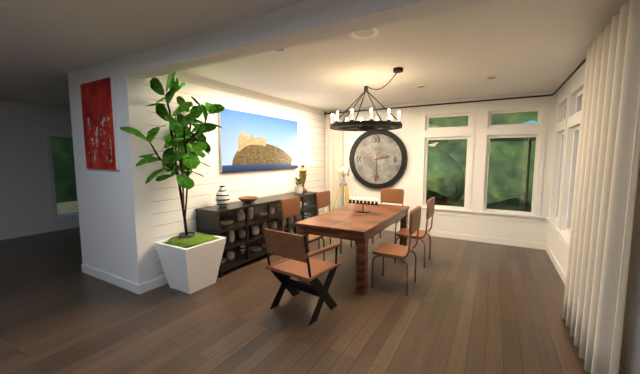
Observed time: 2:30
